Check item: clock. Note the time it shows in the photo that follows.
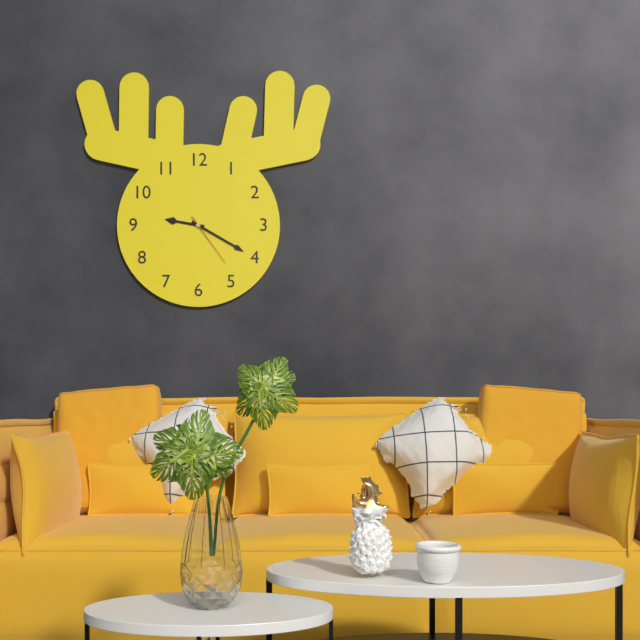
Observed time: 9:20:24
